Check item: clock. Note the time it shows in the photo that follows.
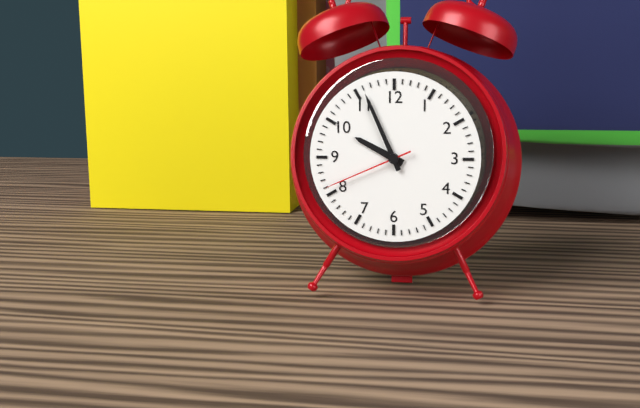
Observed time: 9:56:41
